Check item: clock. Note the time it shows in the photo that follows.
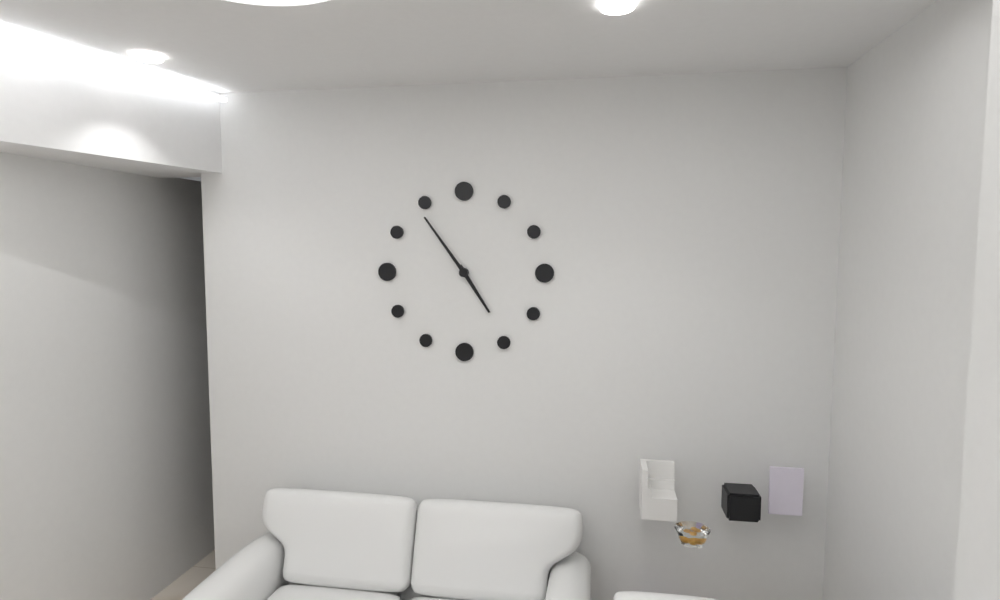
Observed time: 4:54
